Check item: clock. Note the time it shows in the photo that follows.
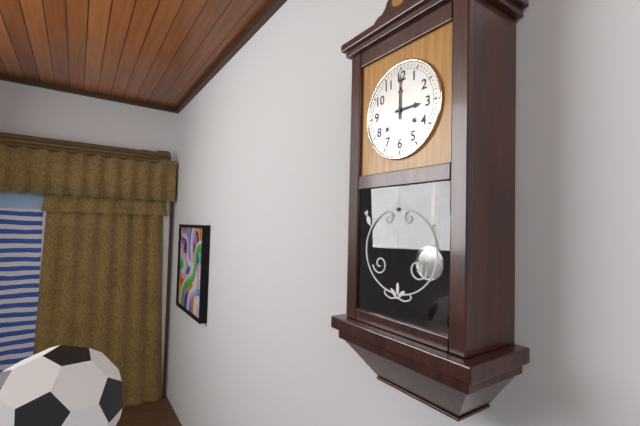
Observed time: 3:00
